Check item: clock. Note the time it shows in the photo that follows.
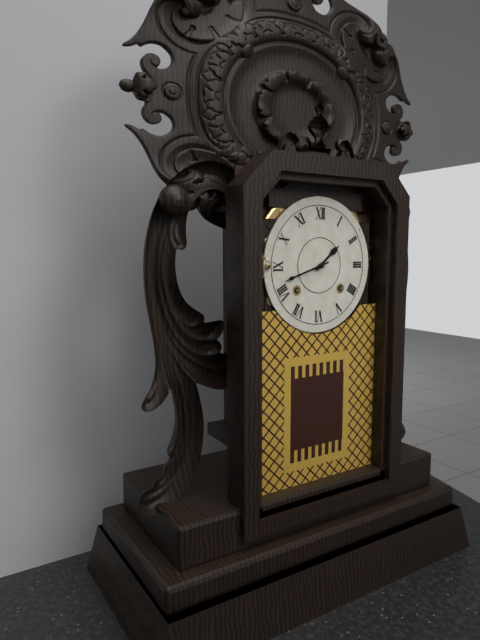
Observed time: 1:42
